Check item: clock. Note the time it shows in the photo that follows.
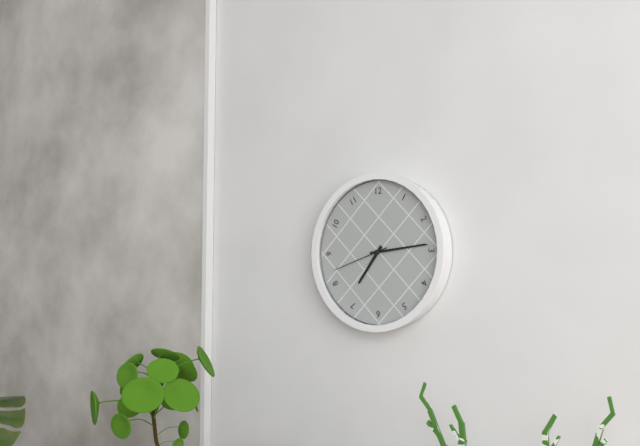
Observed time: 7:14:42
